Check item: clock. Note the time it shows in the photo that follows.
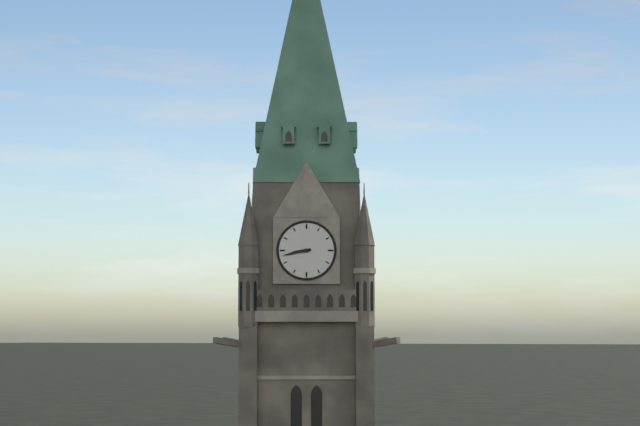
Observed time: 8:43
